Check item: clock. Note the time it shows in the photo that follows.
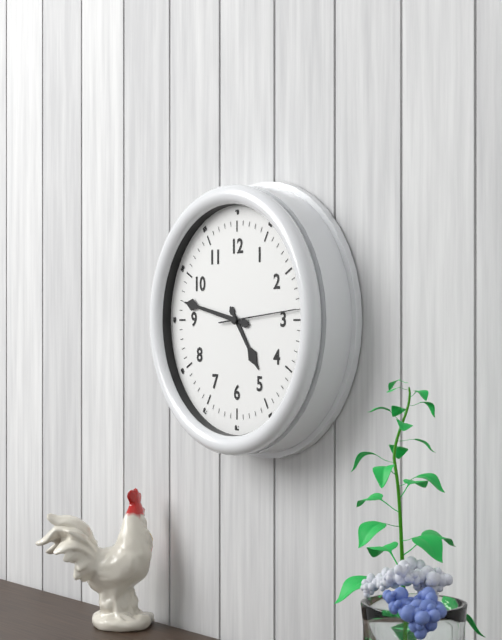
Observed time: 4:47:14
